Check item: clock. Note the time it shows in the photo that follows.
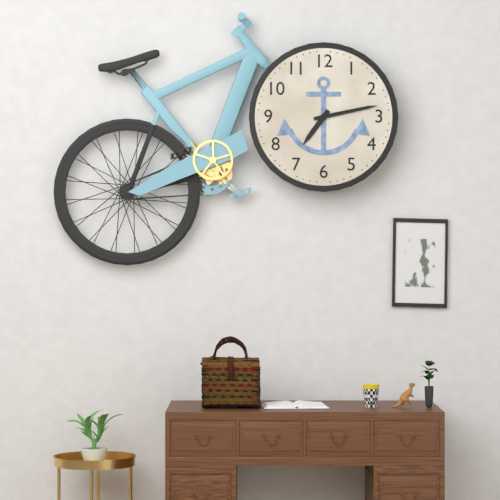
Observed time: 7:13
